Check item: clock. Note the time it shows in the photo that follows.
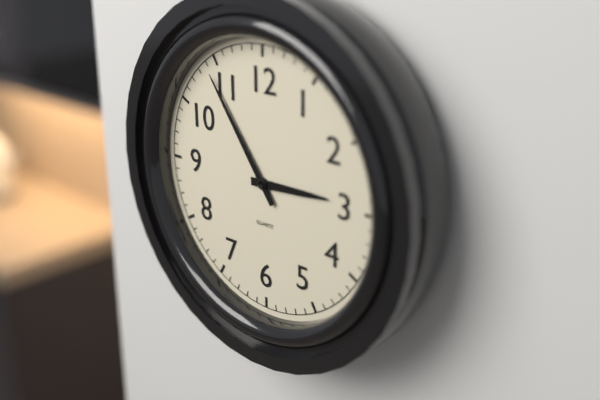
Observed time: 2:54
